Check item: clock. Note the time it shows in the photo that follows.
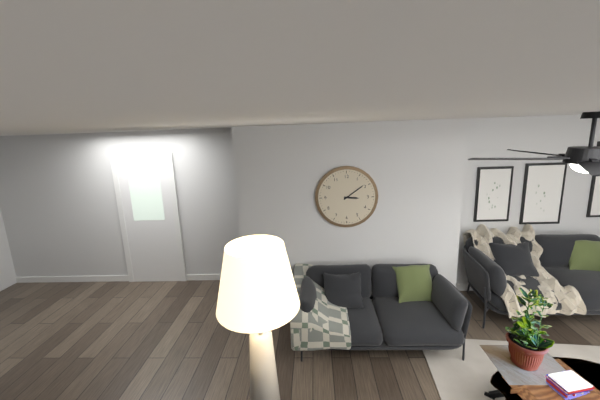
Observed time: 3:09
